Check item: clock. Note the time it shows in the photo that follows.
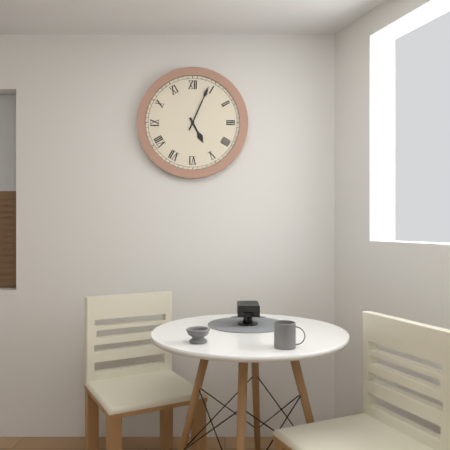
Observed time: 5:04
